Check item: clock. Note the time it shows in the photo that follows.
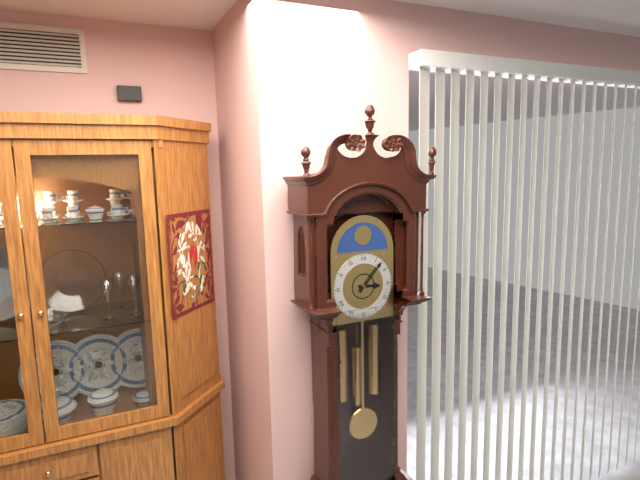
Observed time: 3:07
